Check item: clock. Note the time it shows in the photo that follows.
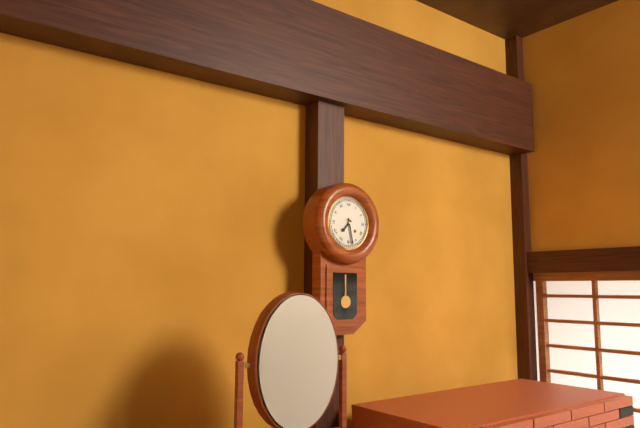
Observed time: 7:28
